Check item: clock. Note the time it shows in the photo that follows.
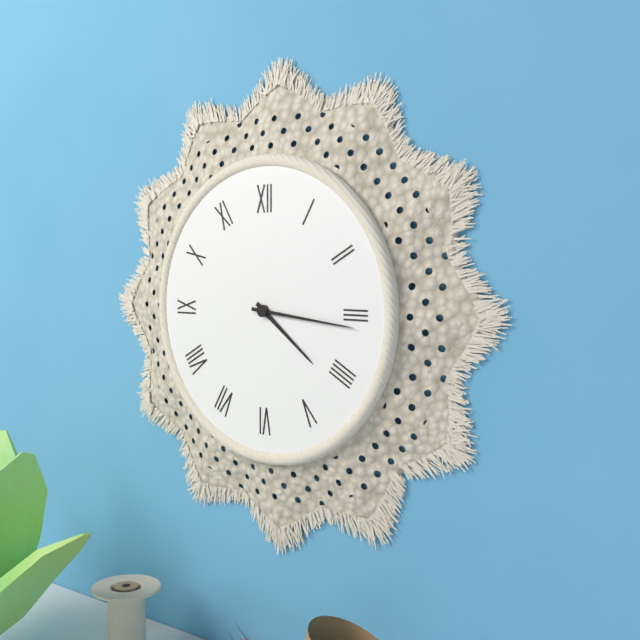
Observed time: 4:16
